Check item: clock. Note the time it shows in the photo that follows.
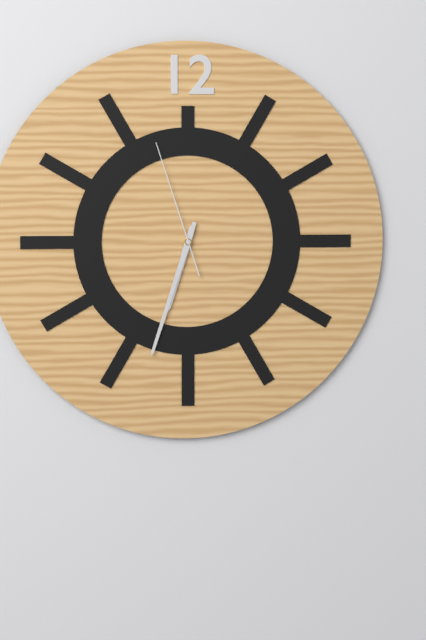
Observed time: 6:33:57
